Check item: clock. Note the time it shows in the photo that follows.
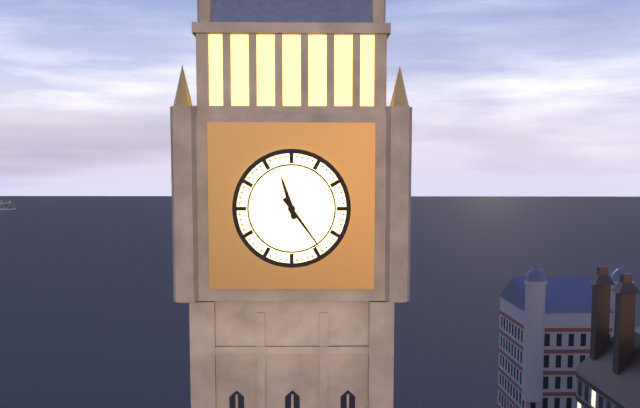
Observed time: 11:24
